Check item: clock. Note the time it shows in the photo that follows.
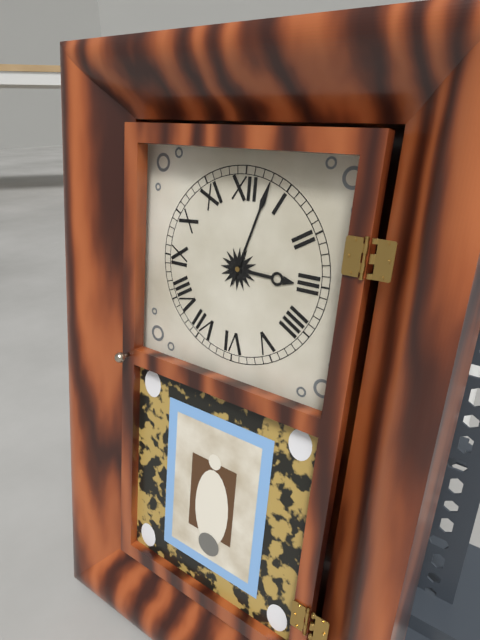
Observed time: 3:03
